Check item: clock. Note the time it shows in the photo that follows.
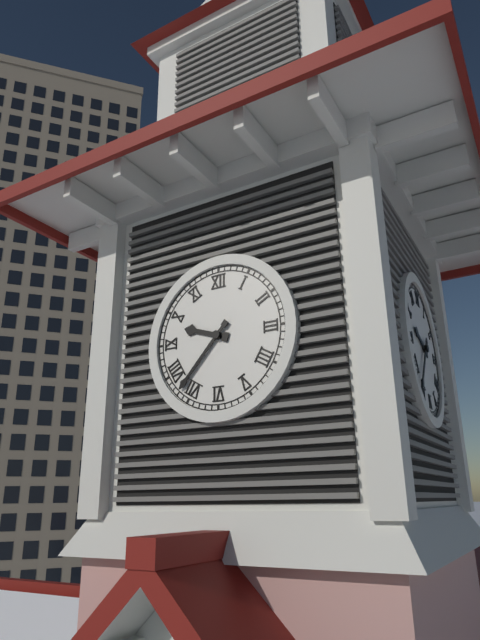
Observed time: 9:37
